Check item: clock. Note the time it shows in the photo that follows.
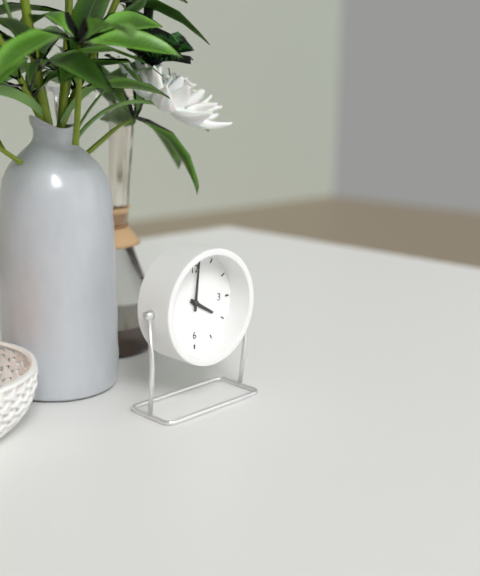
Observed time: 4:01
